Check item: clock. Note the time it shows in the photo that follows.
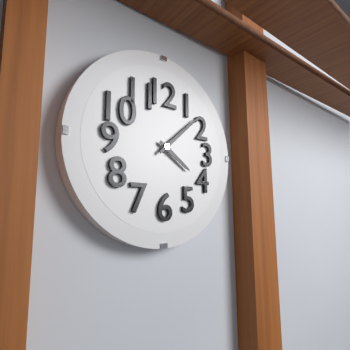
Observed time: 4:08
